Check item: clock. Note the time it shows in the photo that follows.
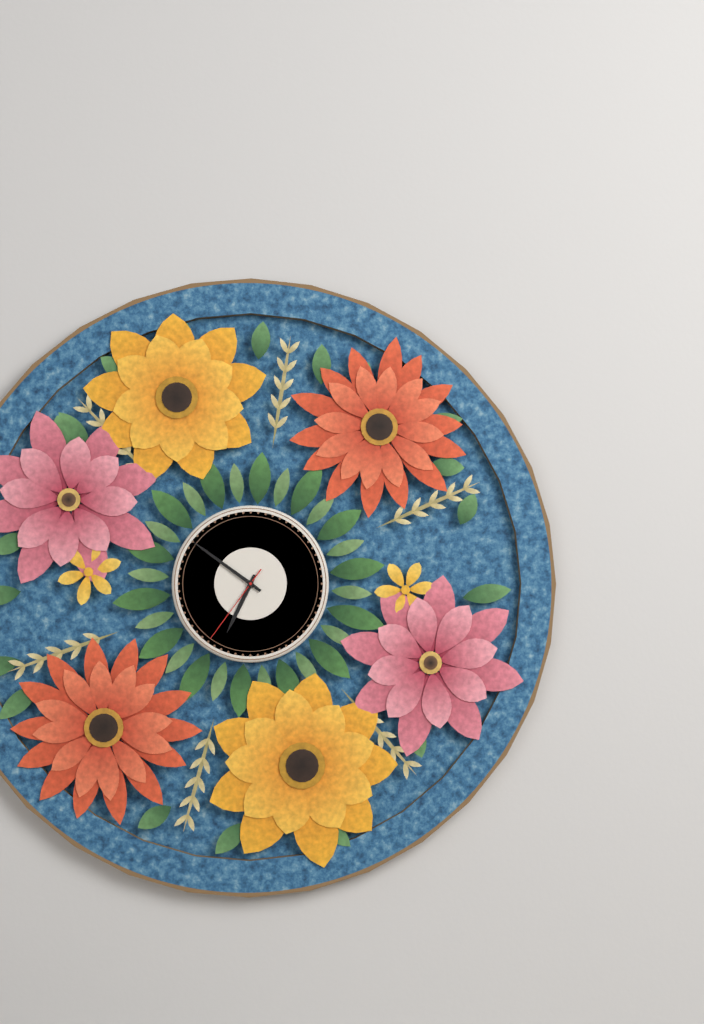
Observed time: 6:51:36
